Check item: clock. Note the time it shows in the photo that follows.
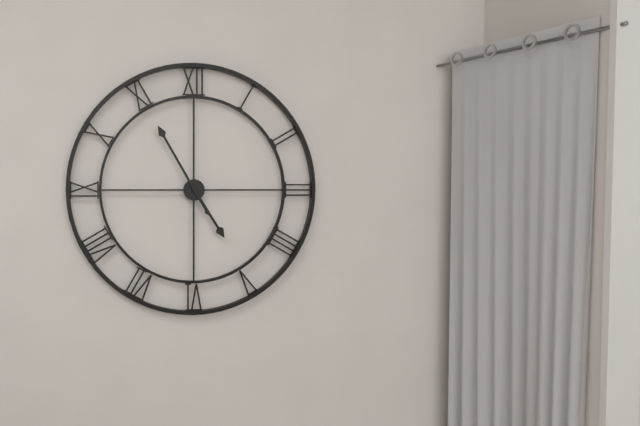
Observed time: 4:55
